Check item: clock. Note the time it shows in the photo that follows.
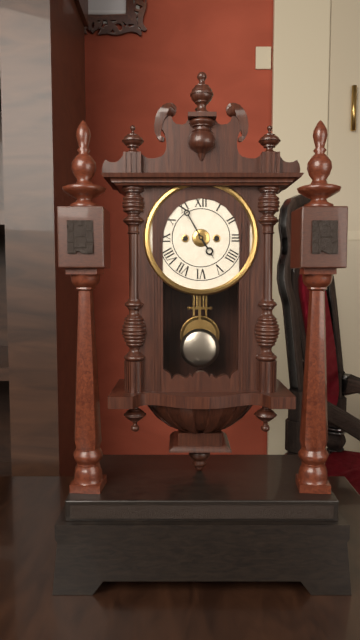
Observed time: 4:55
